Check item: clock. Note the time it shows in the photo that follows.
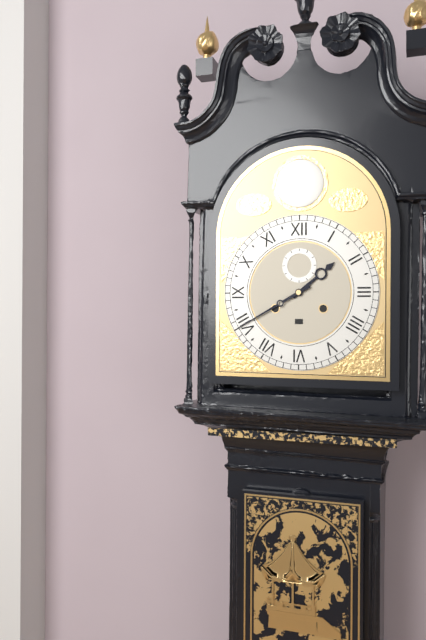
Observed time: 1:40
